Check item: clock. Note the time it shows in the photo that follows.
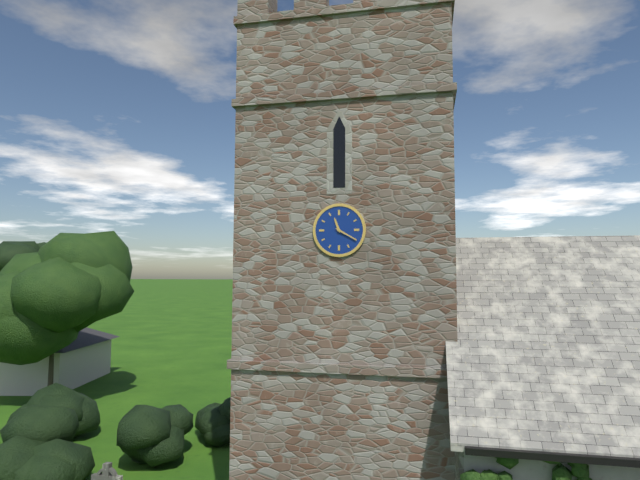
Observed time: 11:20
